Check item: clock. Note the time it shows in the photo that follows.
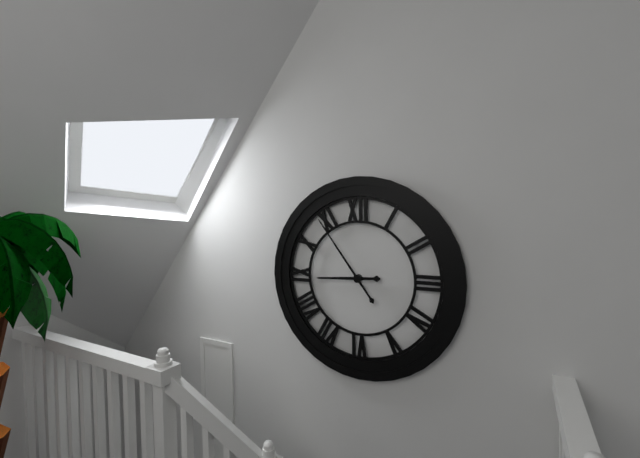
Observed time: 8:54
